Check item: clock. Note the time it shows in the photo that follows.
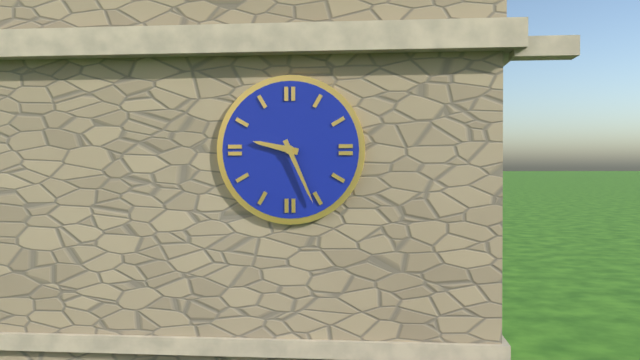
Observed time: 9:26
